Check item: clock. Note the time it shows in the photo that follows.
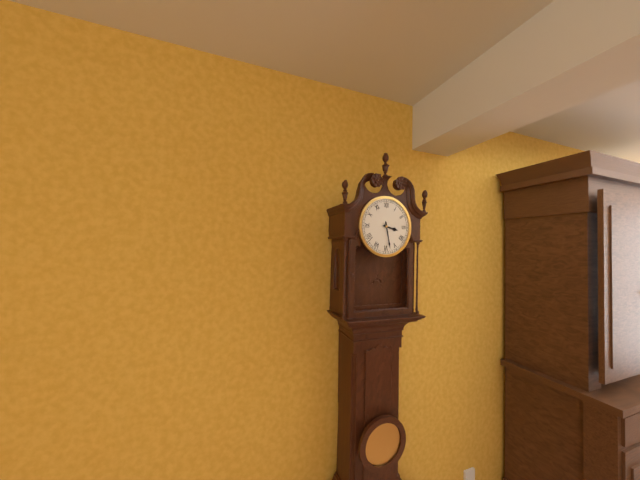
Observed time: 3:28
